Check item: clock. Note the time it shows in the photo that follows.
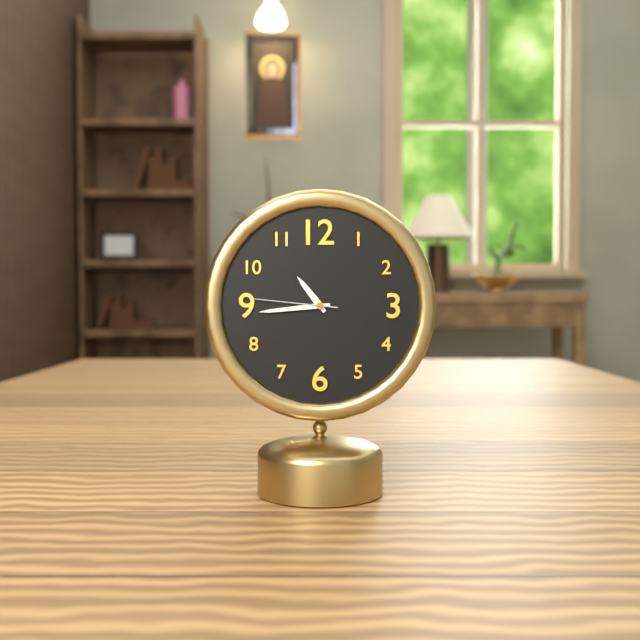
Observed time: 10:44:46
